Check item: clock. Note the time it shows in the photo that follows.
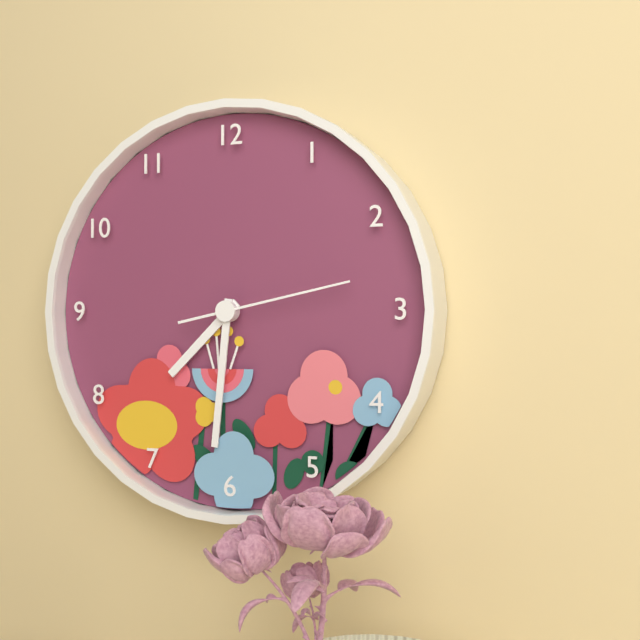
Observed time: 7:31:13
